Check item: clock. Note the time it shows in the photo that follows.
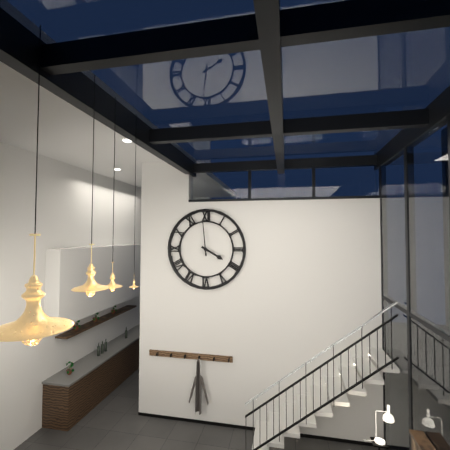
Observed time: 3:59
